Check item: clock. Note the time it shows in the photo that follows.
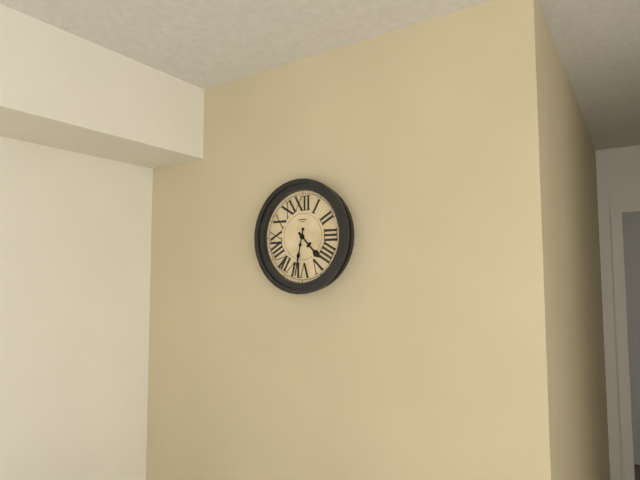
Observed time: 4:32
